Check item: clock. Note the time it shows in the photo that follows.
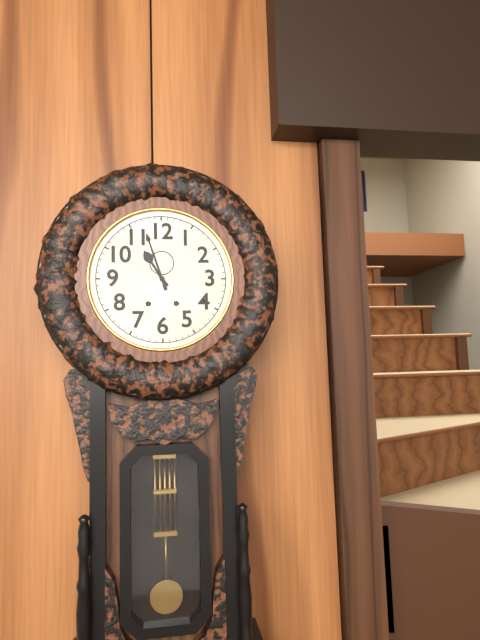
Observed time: 10:57
